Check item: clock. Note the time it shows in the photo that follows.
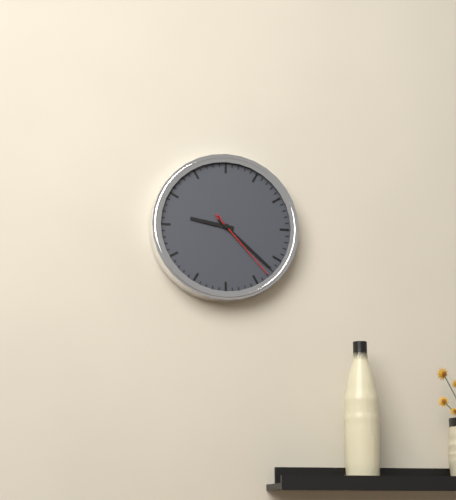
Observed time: 9:22:23
